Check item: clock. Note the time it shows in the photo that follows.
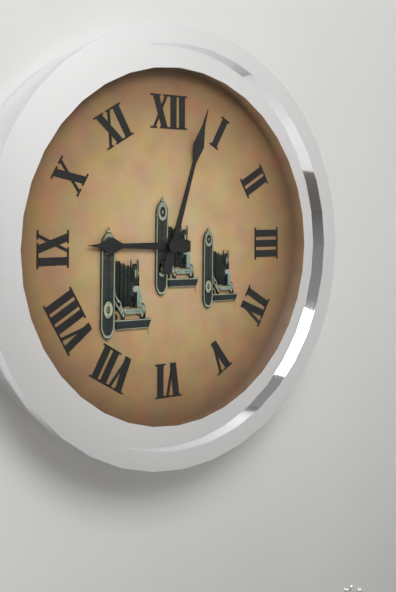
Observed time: 9:03
